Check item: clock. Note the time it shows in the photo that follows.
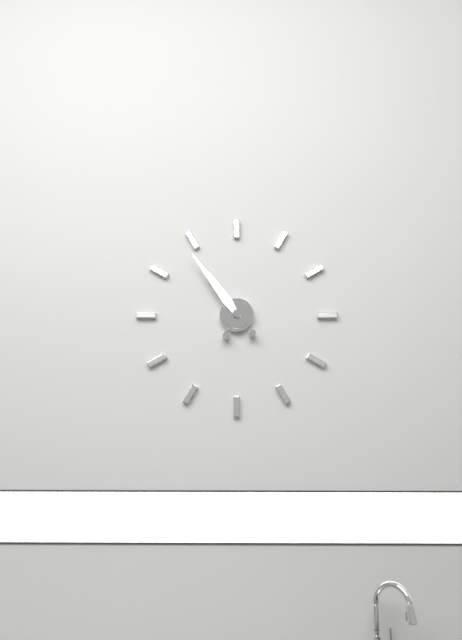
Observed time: 10:54
